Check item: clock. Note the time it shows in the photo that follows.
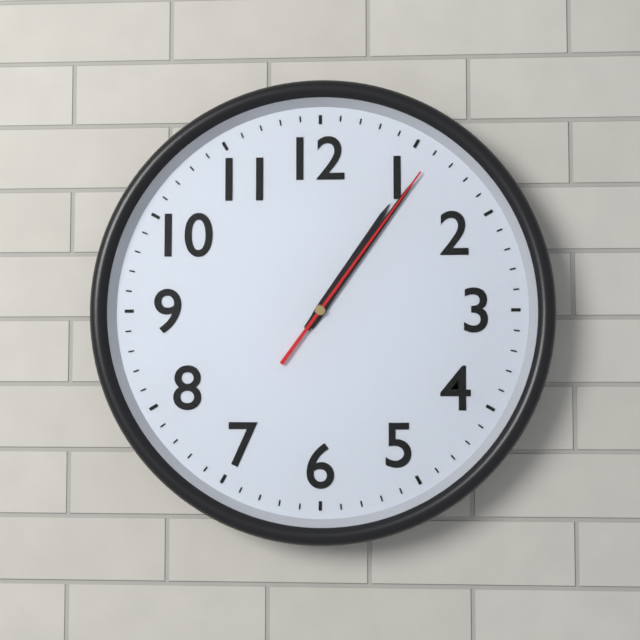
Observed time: 1:06:06
